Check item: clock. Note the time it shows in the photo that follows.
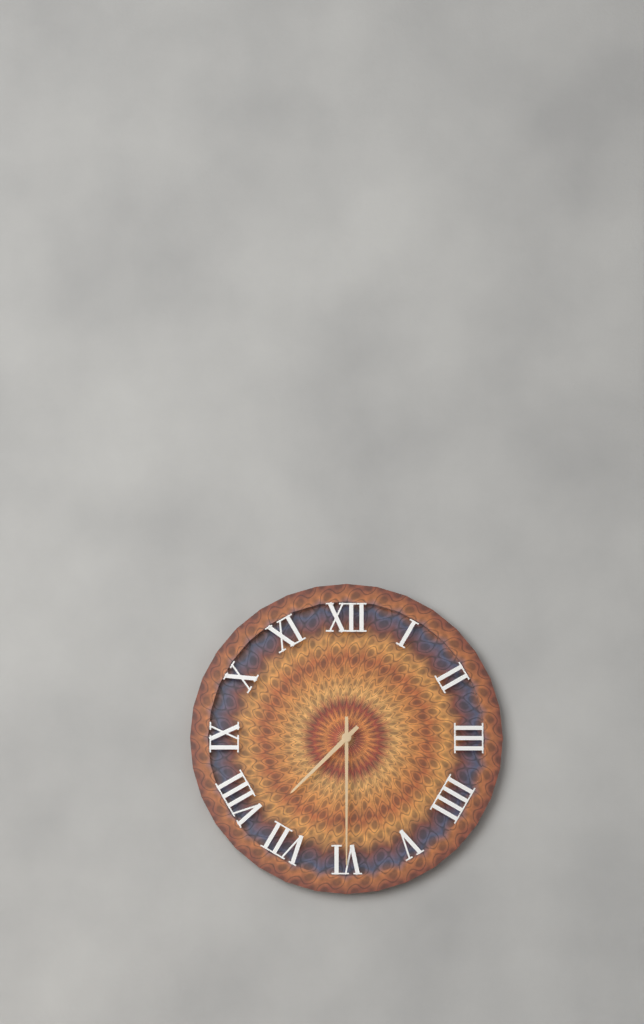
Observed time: 7:30
